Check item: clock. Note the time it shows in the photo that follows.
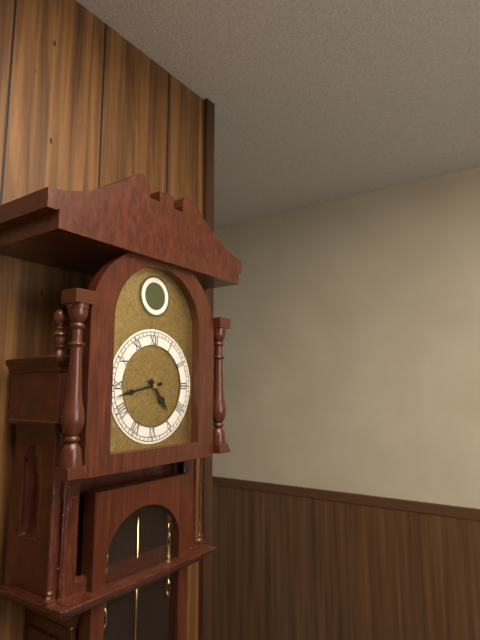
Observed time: 4:43
